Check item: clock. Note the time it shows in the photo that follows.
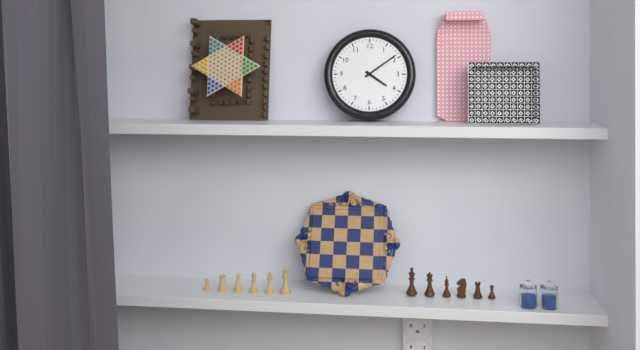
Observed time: 4:09
